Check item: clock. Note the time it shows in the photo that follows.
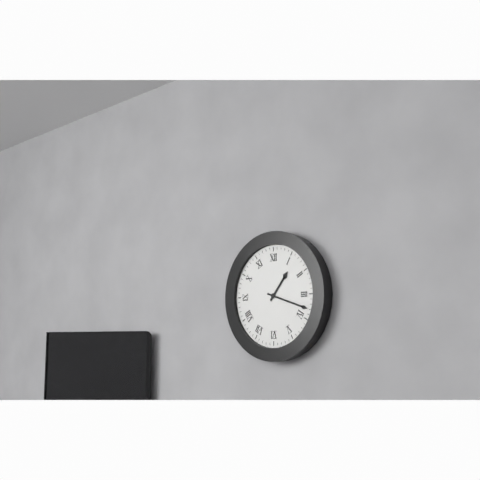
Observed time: 1:18
